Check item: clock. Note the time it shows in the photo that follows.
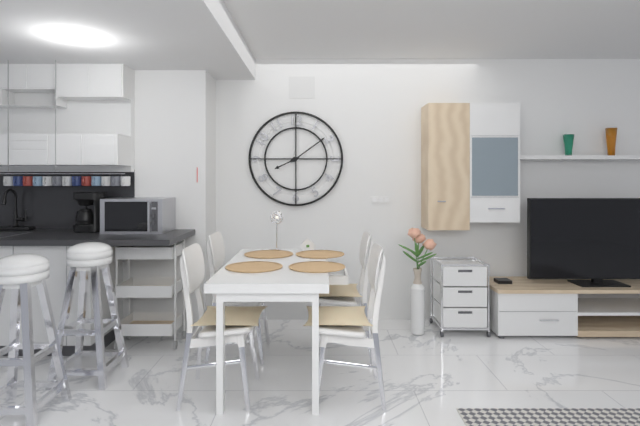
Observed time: 8:09
